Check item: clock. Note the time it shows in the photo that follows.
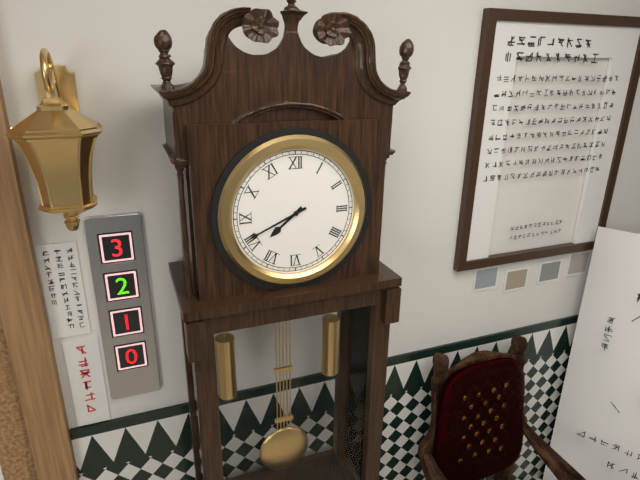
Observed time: 7:41
